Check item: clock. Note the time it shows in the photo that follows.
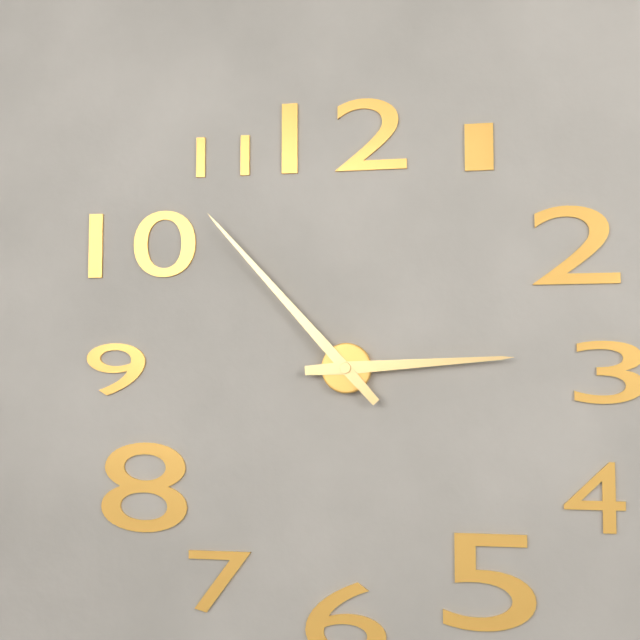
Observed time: 2:53
